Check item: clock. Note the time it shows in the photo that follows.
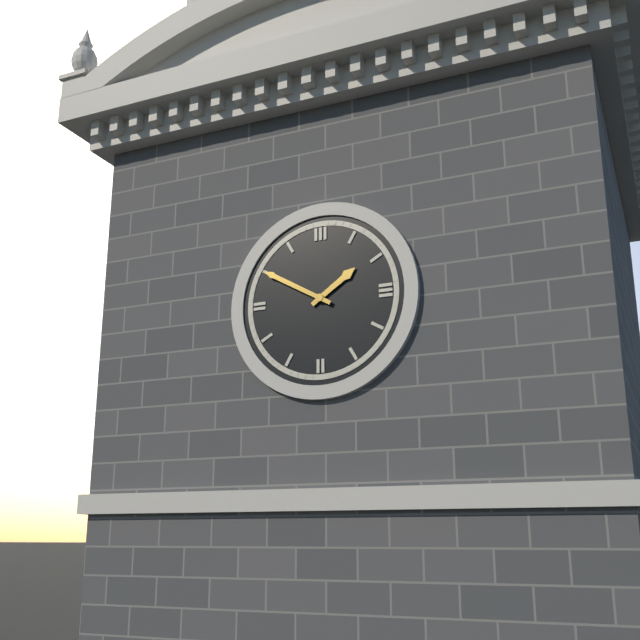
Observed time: 1:50
